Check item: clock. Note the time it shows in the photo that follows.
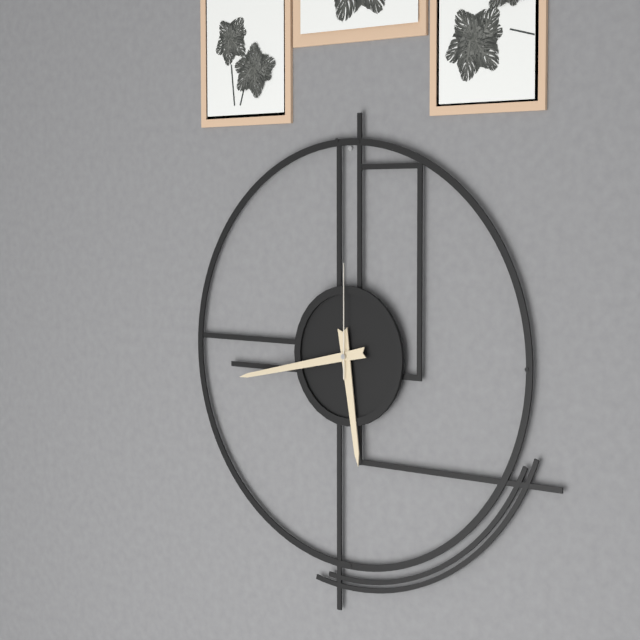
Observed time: 5:43:00
